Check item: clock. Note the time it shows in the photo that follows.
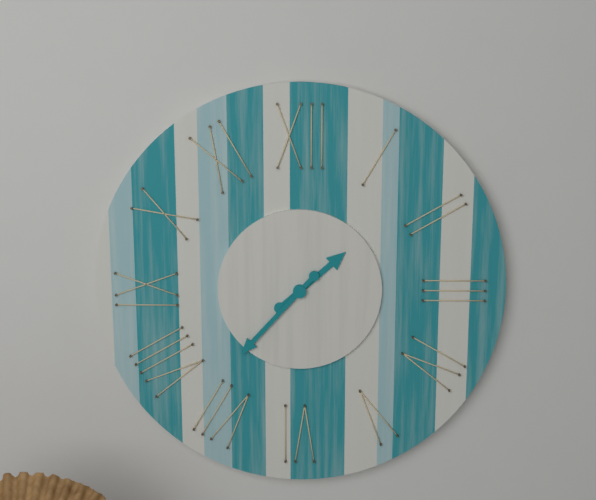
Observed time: 1:37
